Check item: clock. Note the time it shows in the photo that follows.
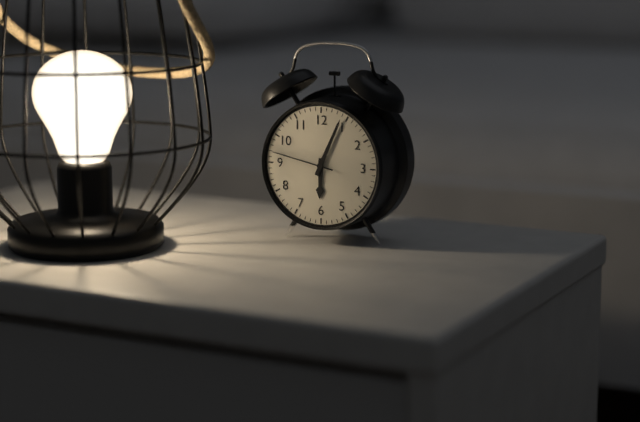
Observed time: 6:04:47
